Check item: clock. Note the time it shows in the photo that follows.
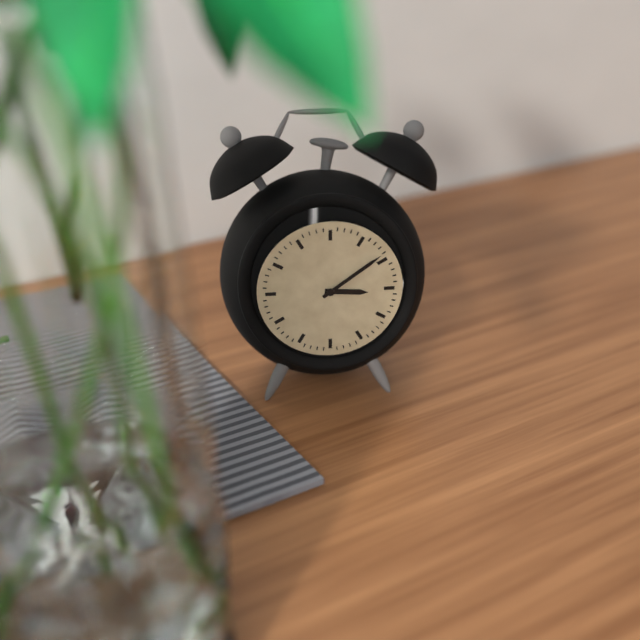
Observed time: 3:09
